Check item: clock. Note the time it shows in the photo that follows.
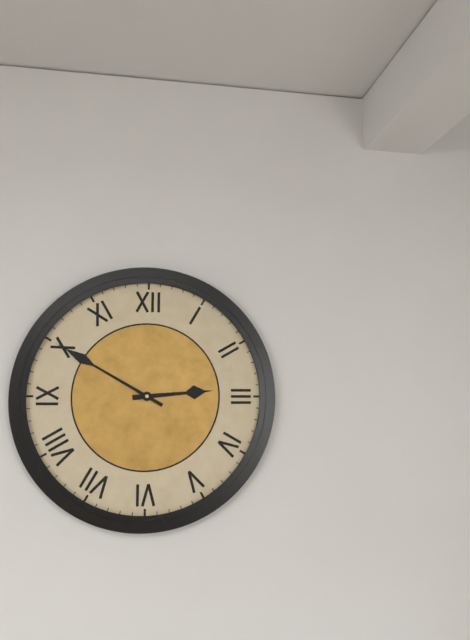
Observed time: 2:50
